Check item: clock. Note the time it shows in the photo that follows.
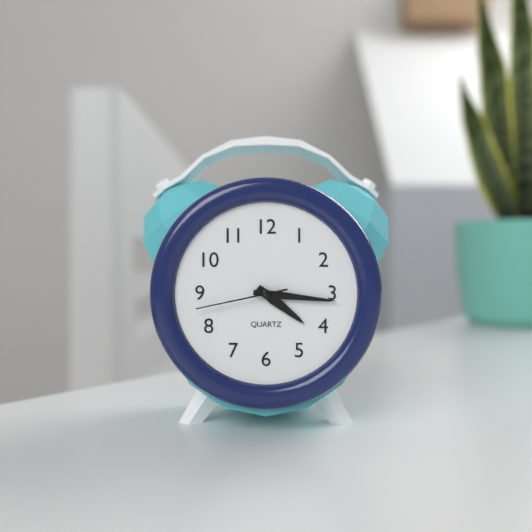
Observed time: 4:16:43
